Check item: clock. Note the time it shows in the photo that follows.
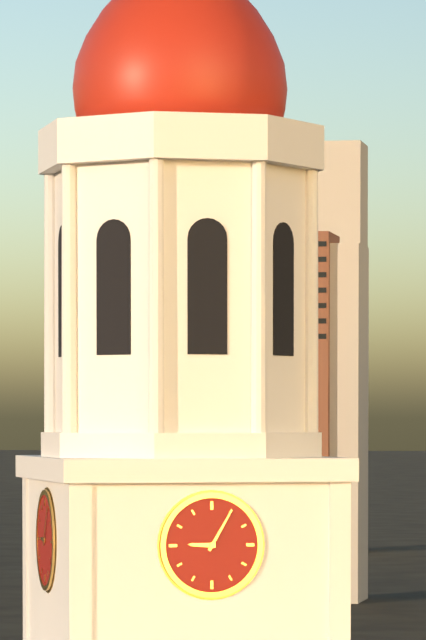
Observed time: 9:05
